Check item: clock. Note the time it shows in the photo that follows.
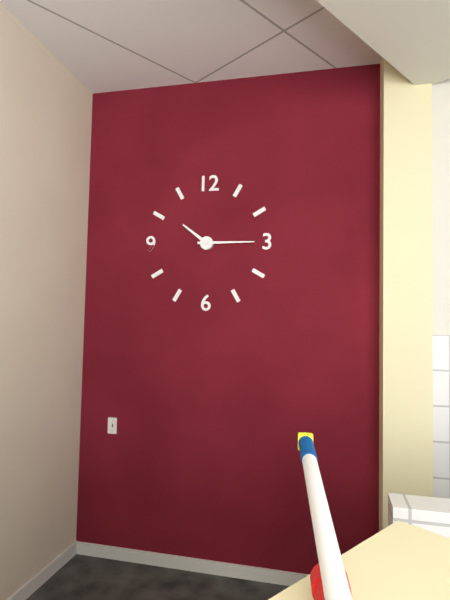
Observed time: 10:15
